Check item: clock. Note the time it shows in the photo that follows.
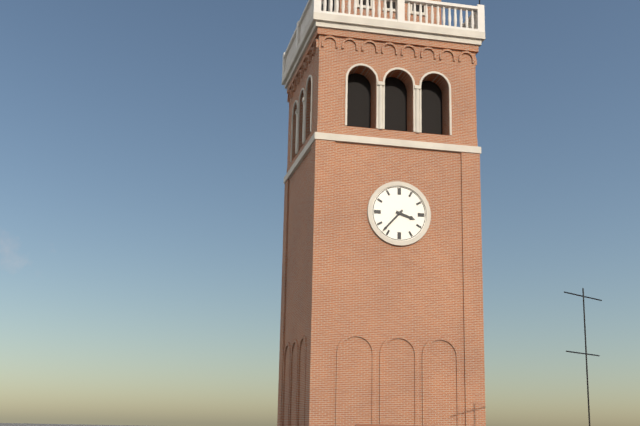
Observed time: 3:37
